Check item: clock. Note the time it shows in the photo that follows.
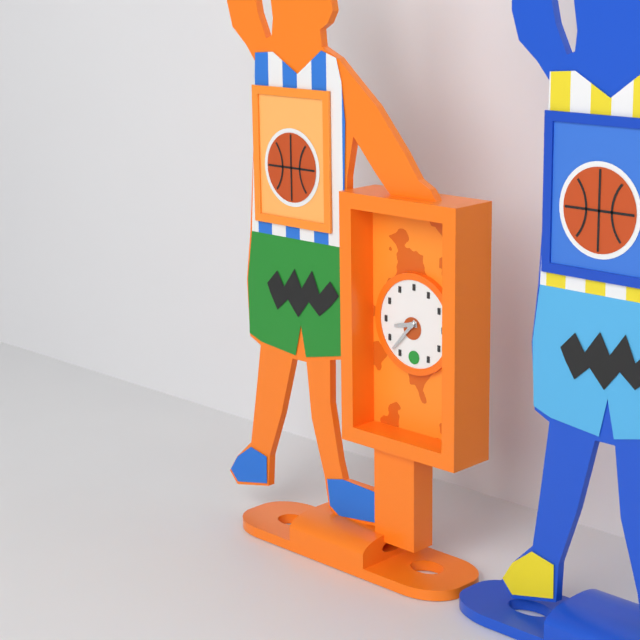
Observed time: 8:37
